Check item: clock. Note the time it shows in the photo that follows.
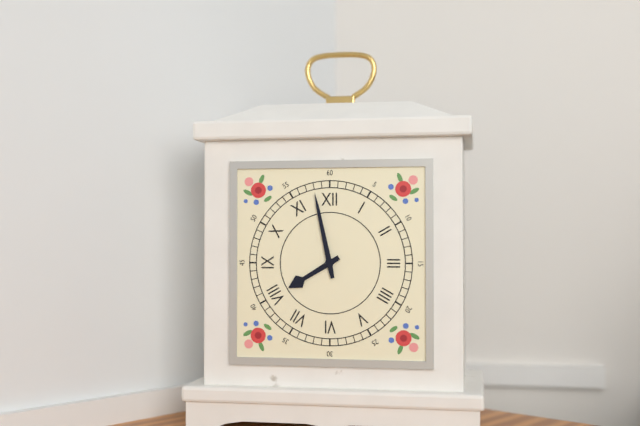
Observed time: 7:58
